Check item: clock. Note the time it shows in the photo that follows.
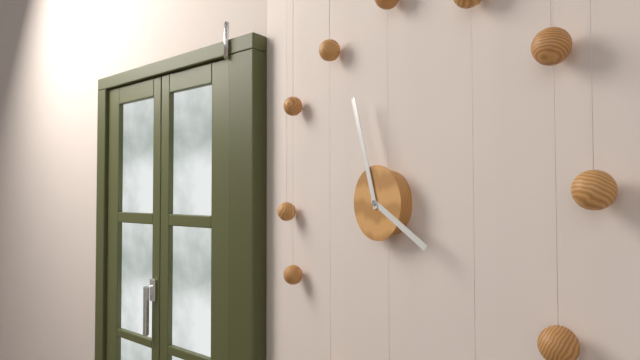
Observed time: 3:57
